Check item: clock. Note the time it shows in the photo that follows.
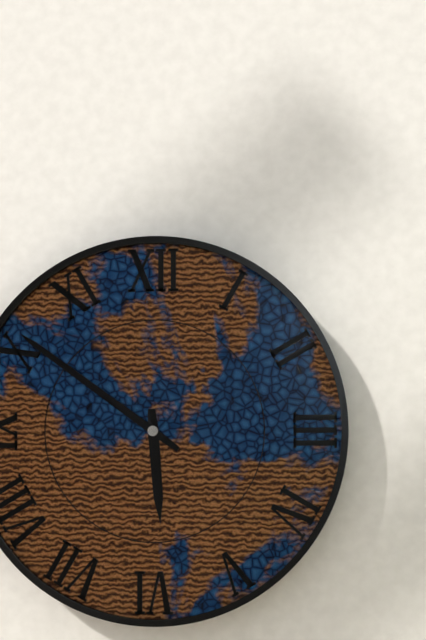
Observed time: 5:51
